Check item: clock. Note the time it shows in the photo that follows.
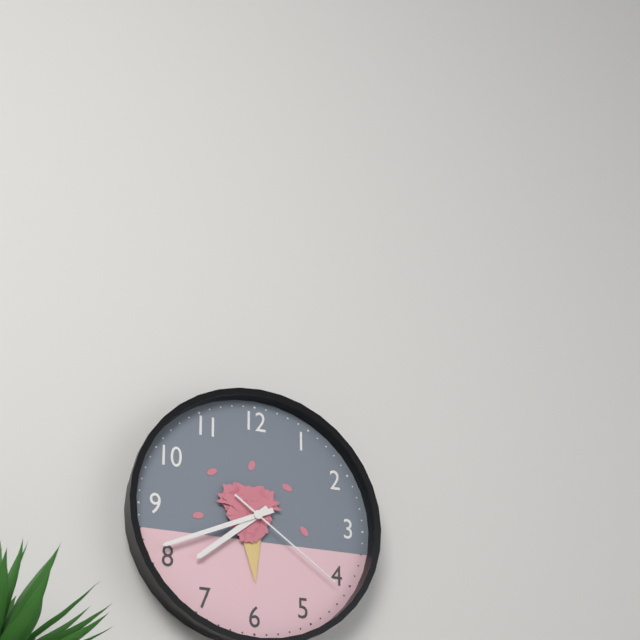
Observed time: 7:41:21
